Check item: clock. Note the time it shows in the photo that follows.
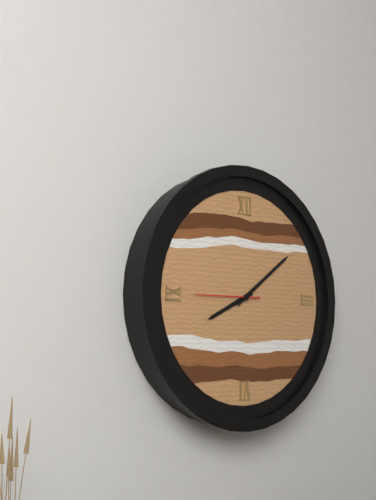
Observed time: 8:09:45
